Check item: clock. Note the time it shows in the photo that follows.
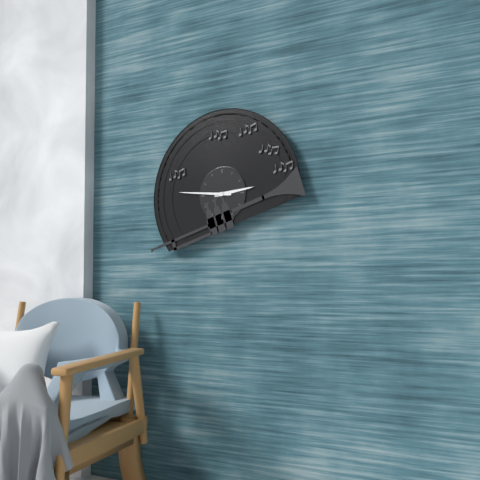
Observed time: 2:46
